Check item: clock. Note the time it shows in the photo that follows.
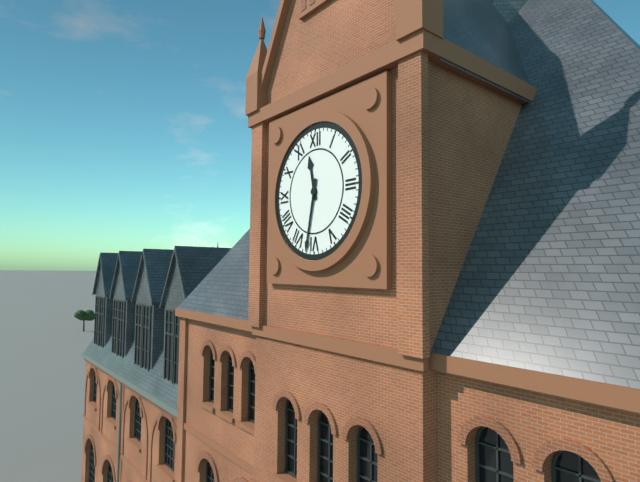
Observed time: 11:32
